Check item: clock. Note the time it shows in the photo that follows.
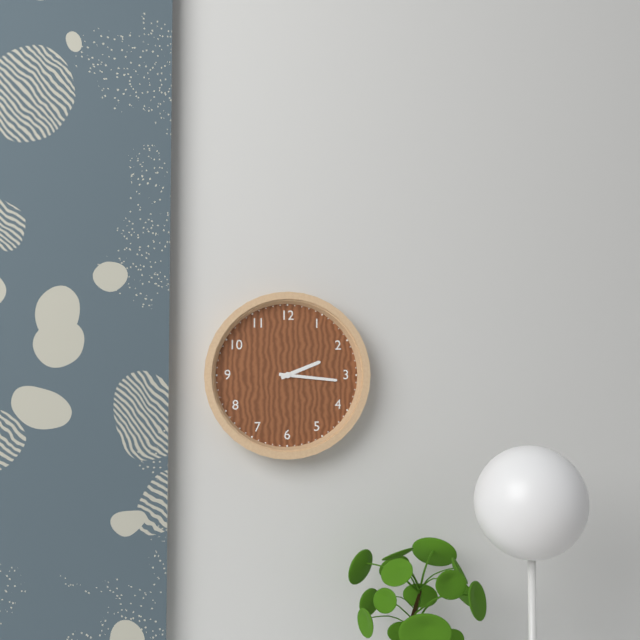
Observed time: 2:16
